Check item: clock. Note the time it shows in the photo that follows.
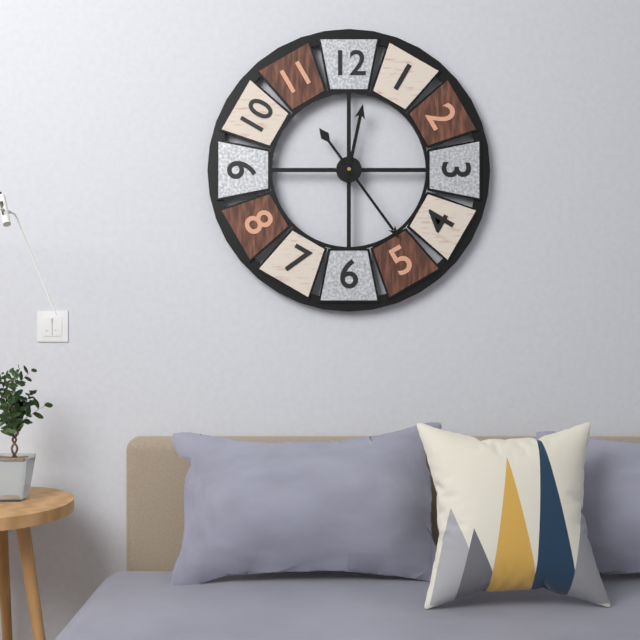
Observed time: 12:24
